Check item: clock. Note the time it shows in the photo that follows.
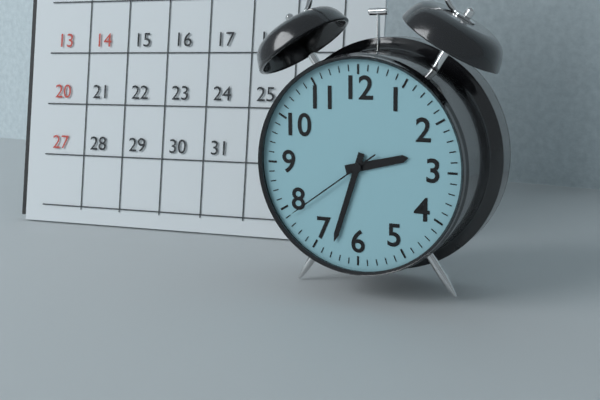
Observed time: 2:33:39
